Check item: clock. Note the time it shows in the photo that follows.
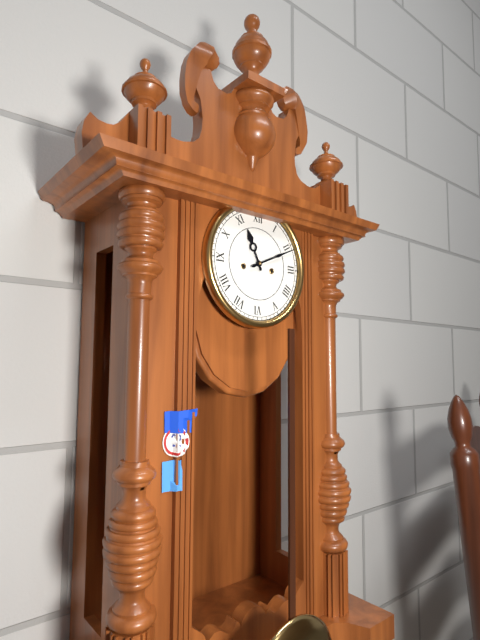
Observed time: 11:11
